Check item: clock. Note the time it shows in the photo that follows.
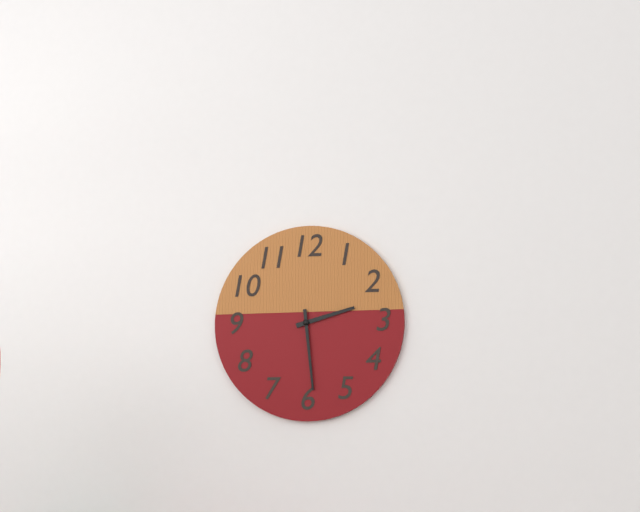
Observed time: 2:29
